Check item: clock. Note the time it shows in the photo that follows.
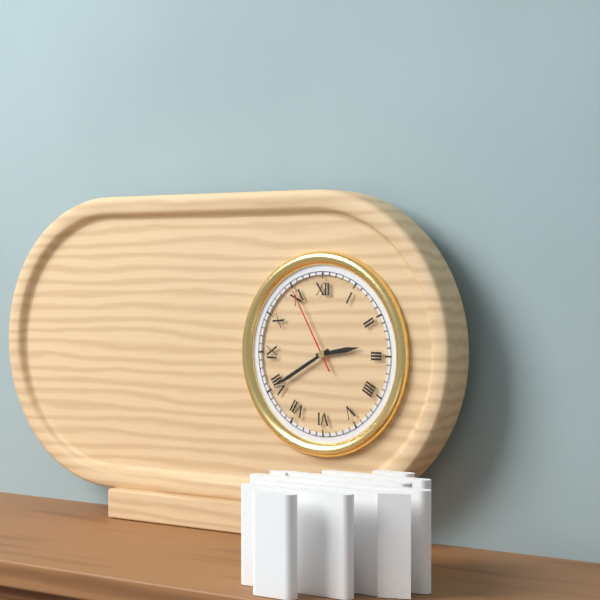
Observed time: 2:40:55
